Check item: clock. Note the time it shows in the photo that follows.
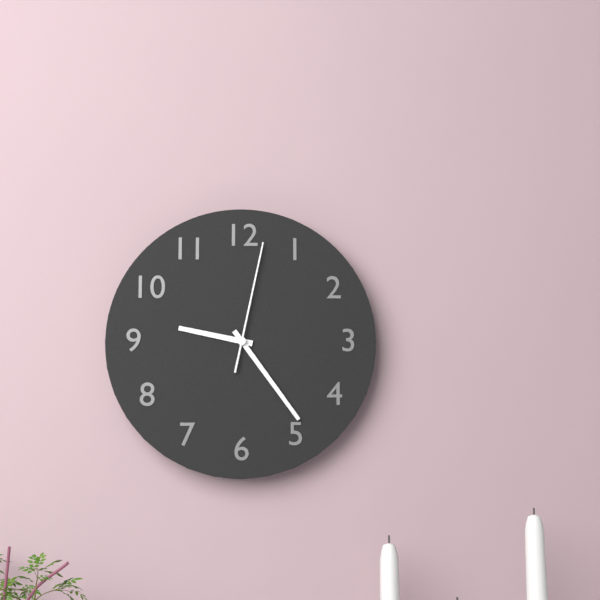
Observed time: 9:24:02
